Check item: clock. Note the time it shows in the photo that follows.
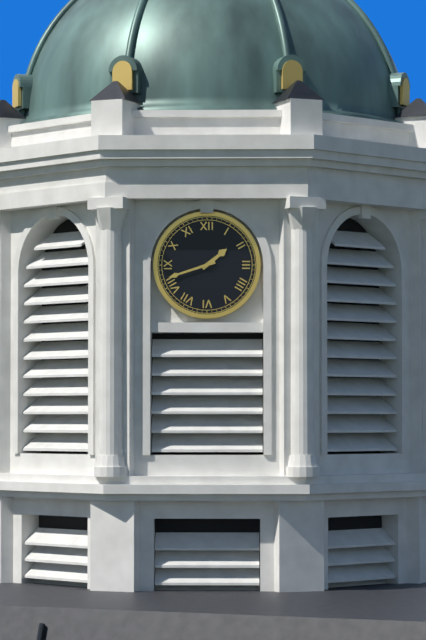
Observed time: 1:42
